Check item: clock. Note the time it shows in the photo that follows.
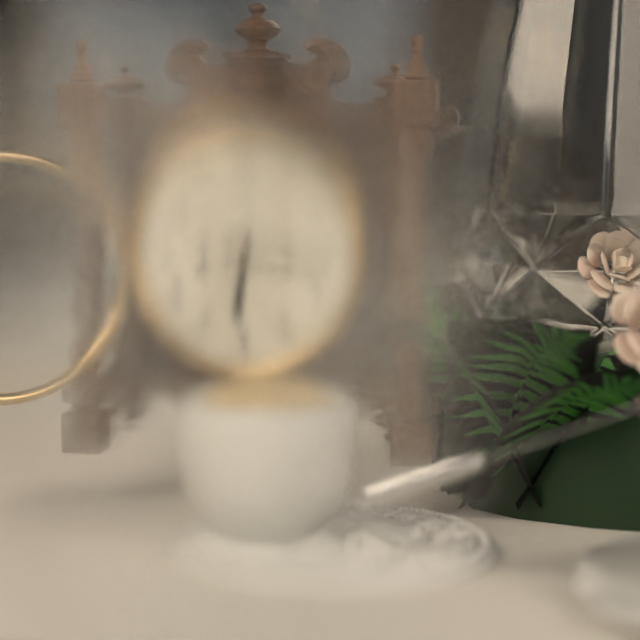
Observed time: 6:16
